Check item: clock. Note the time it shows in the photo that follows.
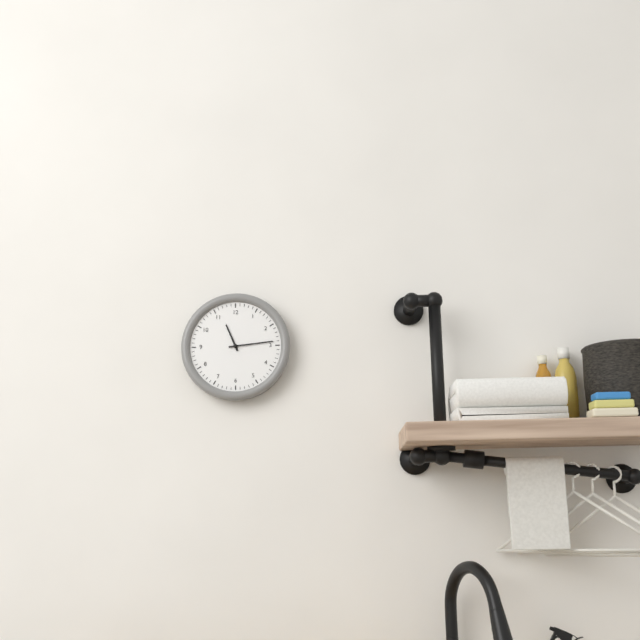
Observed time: 11:14
